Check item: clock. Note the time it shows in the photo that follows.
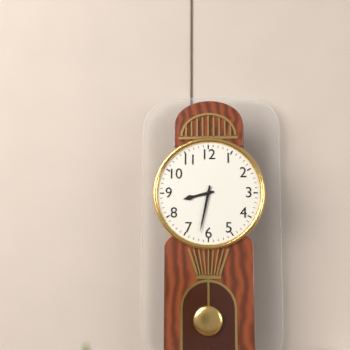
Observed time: 8:32
